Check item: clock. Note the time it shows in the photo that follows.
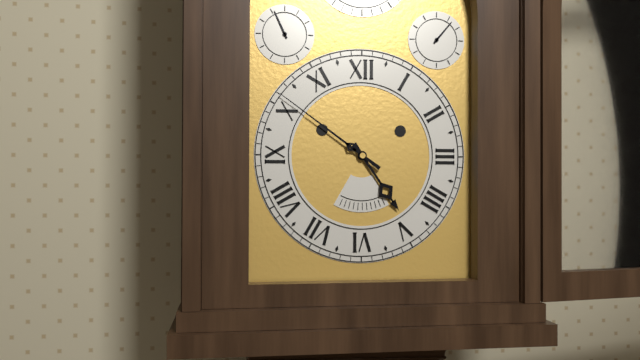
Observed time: 4:51
